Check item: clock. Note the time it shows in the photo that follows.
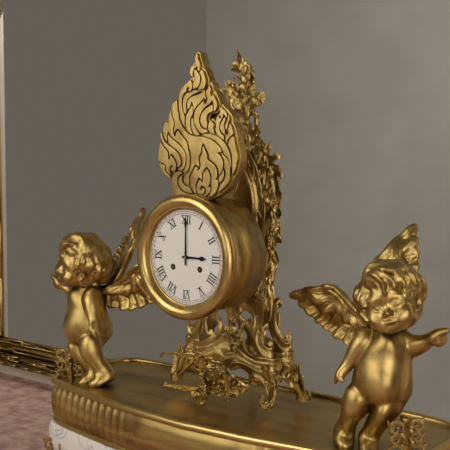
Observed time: 3:00
